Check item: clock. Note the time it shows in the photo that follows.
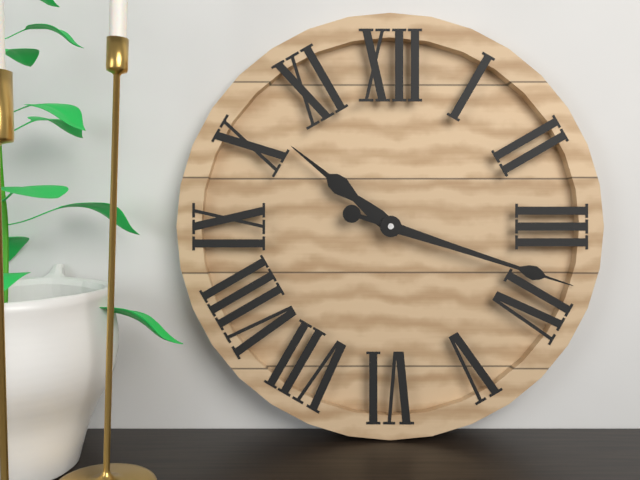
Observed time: 10:18
